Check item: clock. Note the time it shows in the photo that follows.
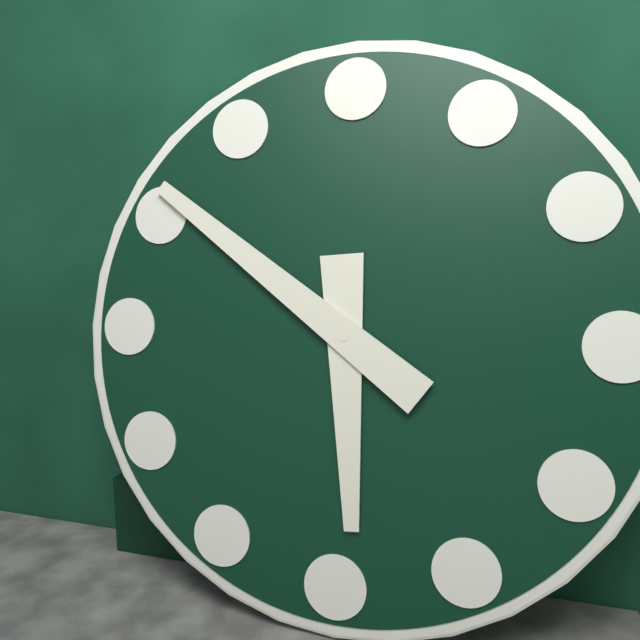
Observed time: 5:51
